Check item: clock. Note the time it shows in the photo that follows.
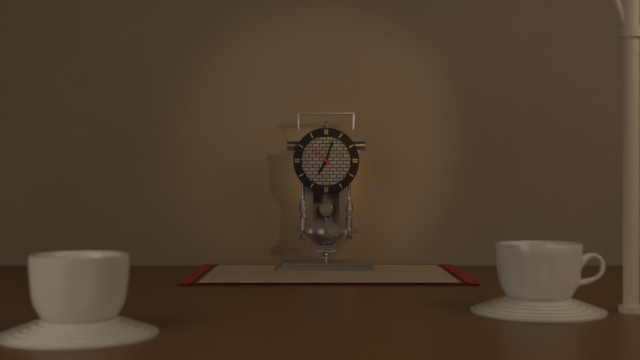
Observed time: 7:03
